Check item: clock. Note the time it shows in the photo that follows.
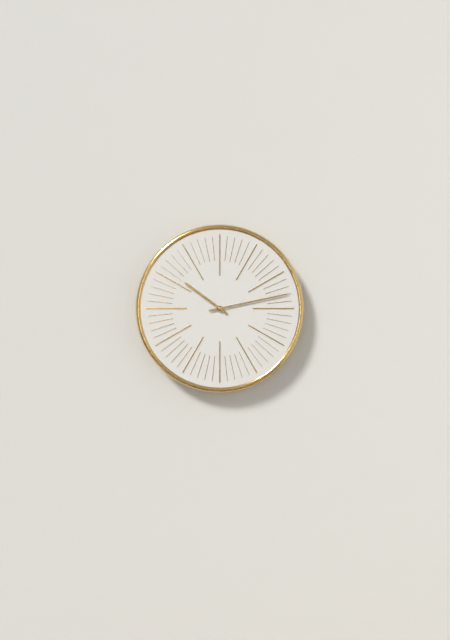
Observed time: 10:13
